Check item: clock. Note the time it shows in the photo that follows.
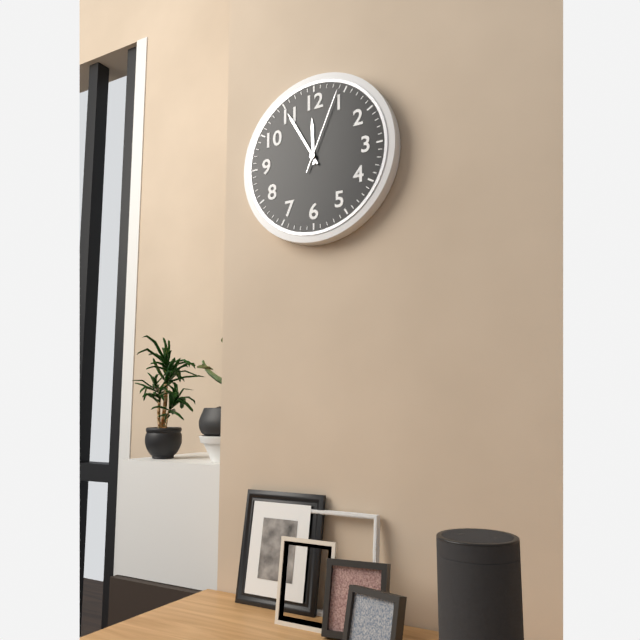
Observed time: 11:55:04
